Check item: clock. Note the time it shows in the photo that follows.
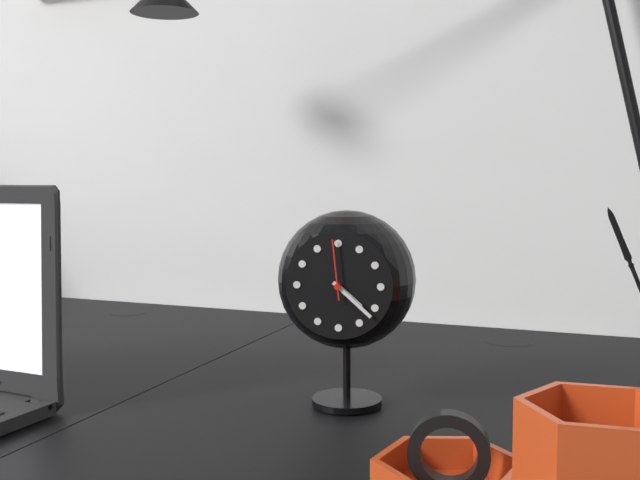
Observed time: 4:22:59
